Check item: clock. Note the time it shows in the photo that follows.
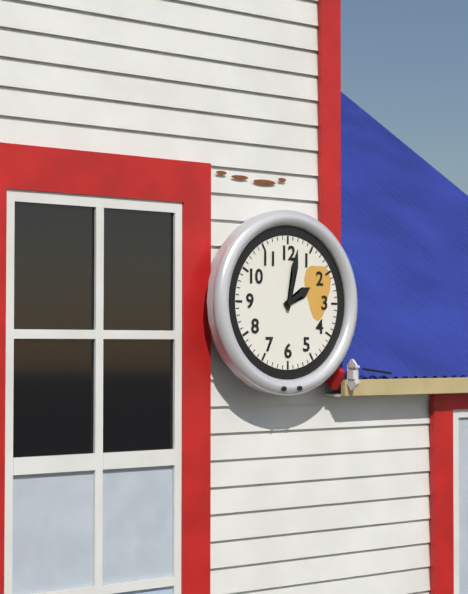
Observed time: 2:02
